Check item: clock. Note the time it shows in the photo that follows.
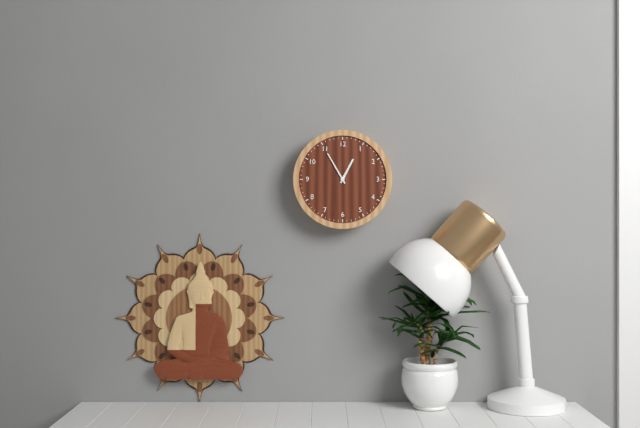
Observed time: 12:55
